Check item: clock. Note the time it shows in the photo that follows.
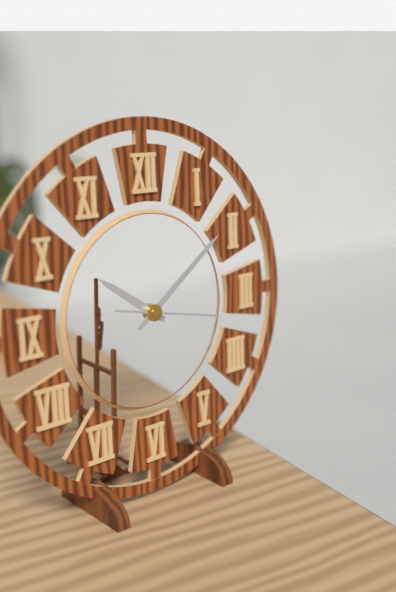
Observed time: 10:09:17
